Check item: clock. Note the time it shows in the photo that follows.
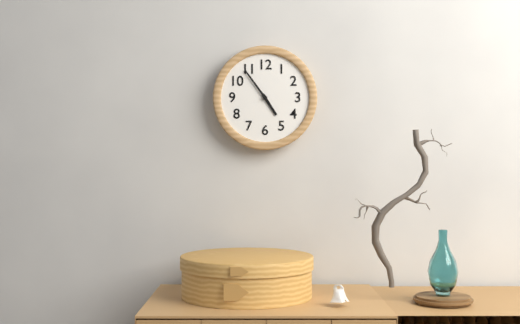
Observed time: 4:54
